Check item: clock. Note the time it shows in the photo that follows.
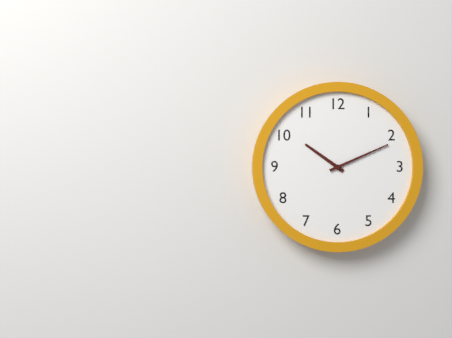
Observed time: 10:11
